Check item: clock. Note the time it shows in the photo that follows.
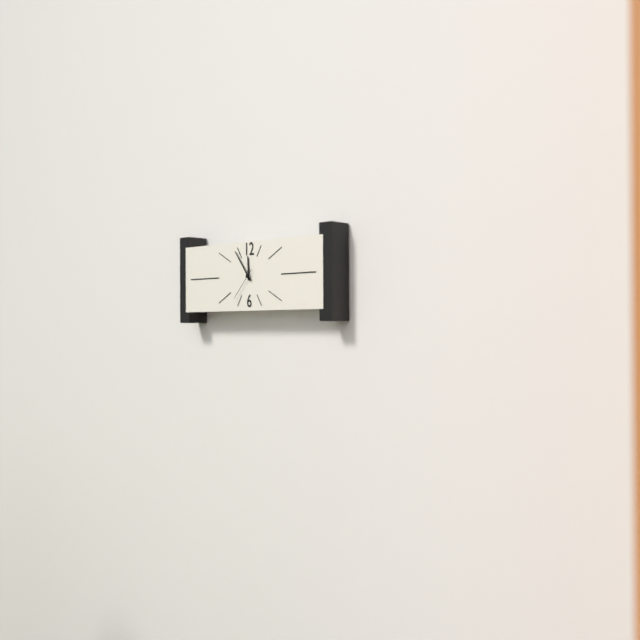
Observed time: 11:54
